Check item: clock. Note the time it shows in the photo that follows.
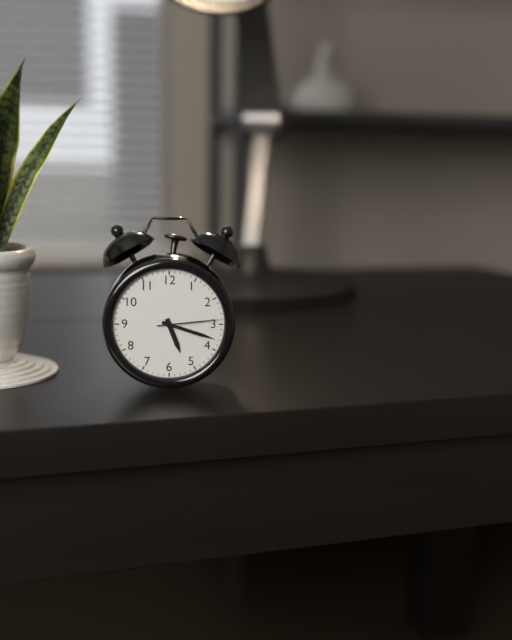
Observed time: 5:18:14
